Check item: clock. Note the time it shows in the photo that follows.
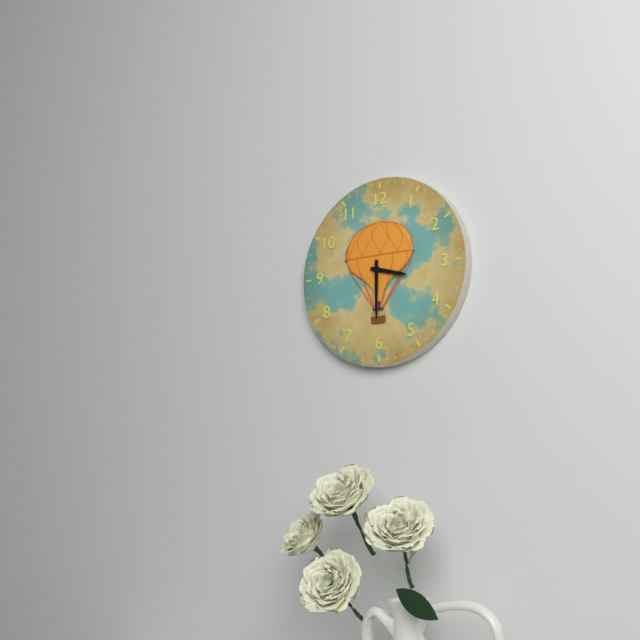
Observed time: 3:30
